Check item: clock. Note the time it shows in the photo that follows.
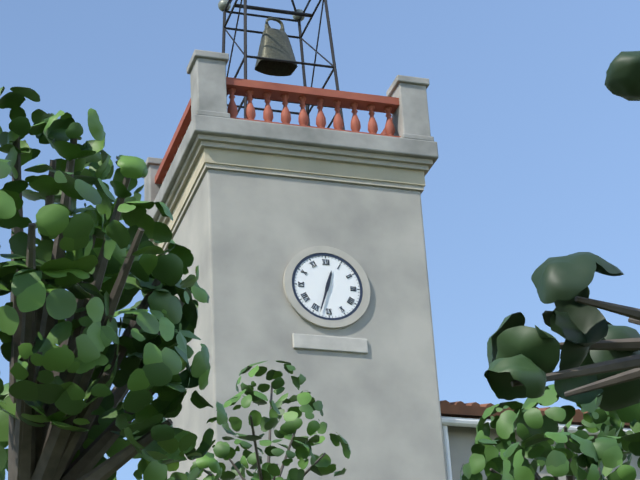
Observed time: 12:33
